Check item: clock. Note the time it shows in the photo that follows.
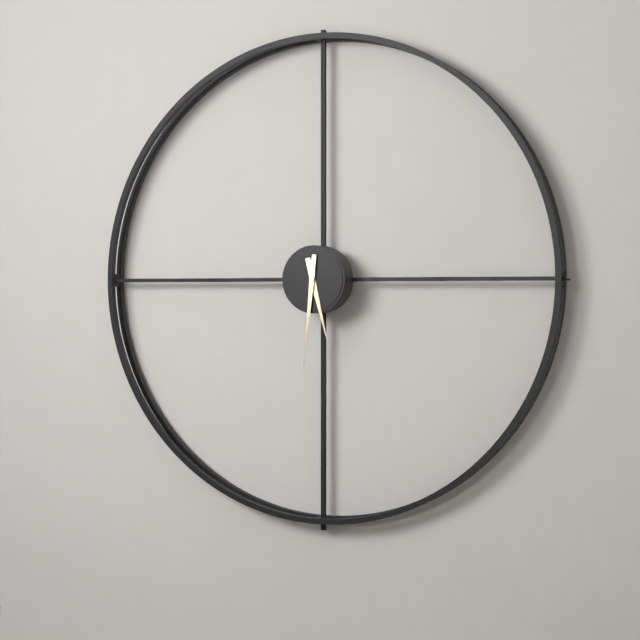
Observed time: 5:31
